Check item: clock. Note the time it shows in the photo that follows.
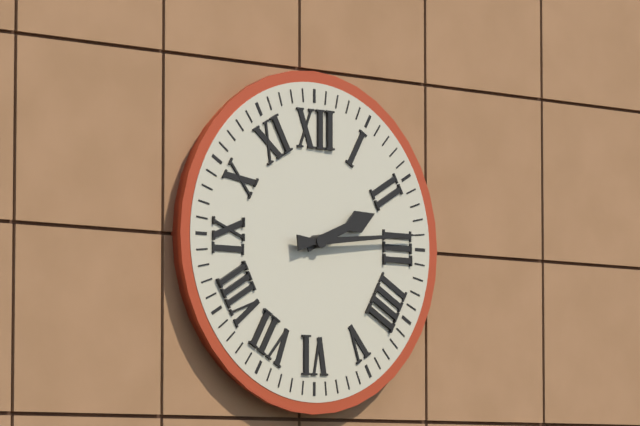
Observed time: 2:14
